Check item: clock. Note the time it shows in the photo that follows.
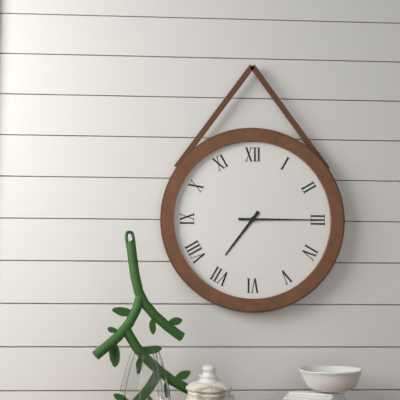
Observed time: 7:15
